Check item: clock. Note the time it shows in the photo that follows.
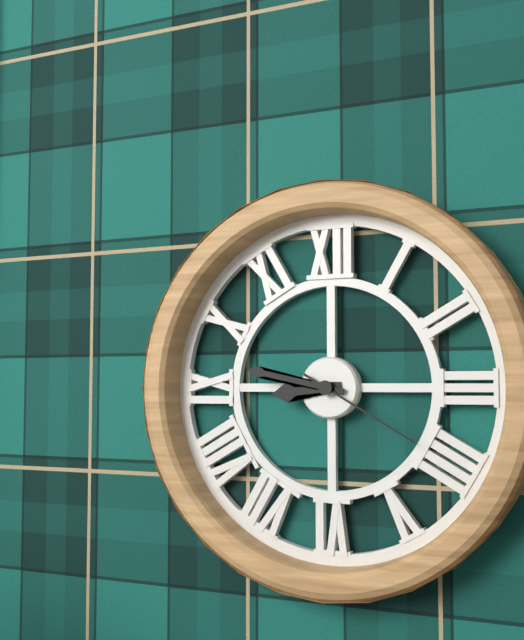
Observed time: 8:47:20
